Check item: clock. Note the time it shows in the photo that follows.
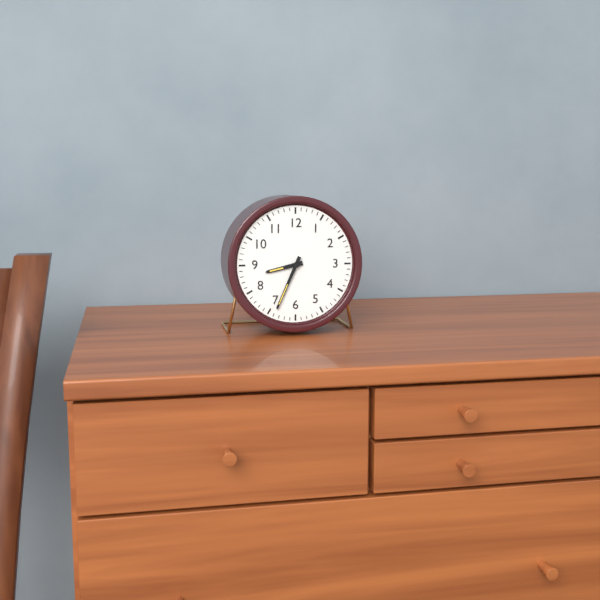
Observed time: 8:34
